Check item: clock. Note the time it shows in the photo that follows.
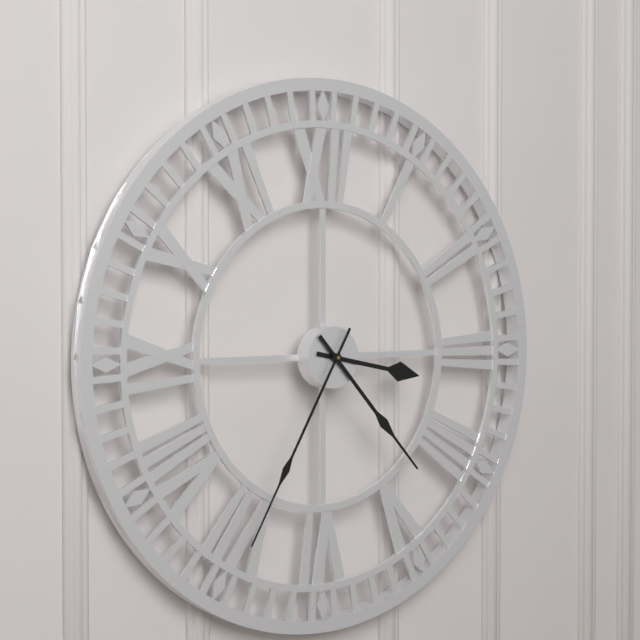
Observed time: 3:23:35
